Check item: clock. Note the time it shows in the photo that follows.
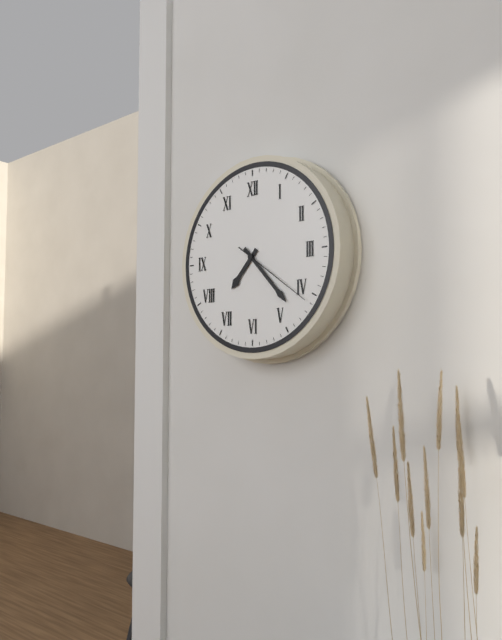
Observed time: 7:23:21
